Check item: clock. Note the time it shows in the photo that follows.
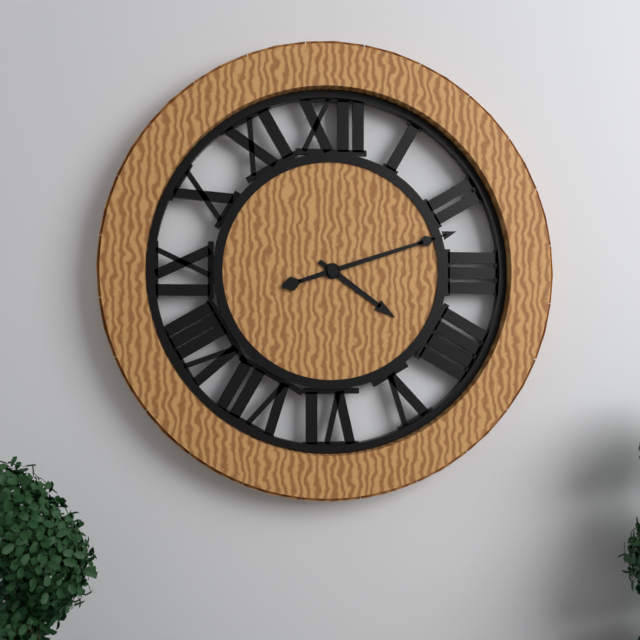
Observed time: 4:12
